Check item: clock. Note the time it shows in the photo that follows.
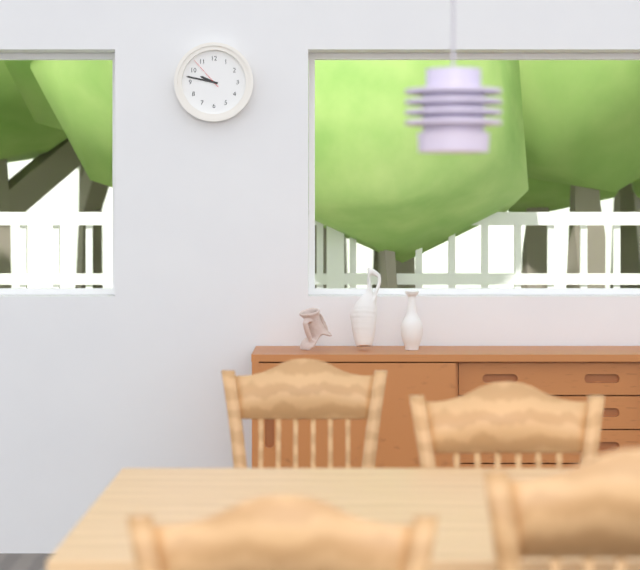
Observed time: 9:47
